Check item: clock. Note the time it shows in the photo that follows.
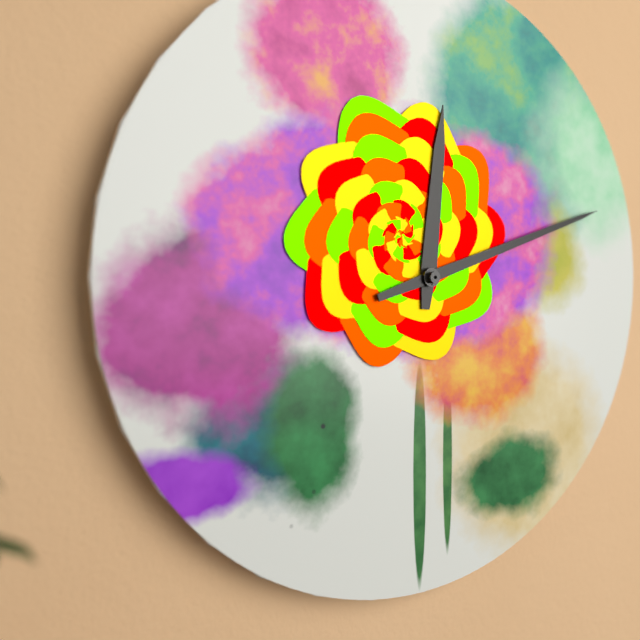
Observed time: 12:12
